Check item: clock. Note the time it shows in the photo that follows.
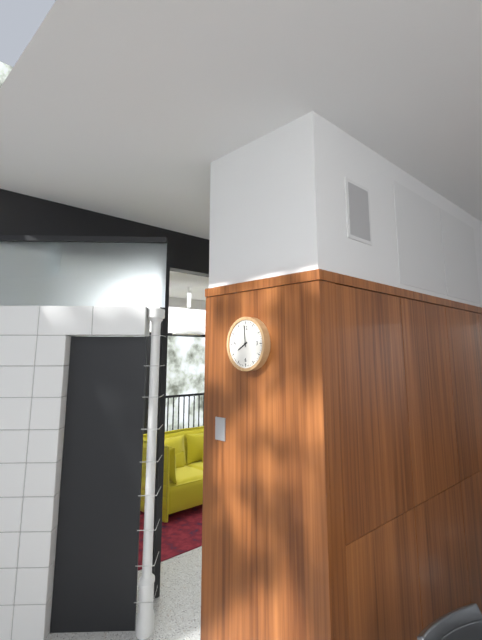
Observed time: 7:59
